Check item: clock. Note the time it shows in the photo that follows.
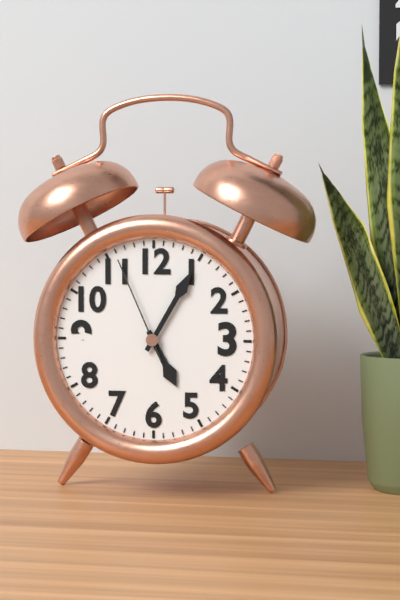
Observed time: 5:05:56
